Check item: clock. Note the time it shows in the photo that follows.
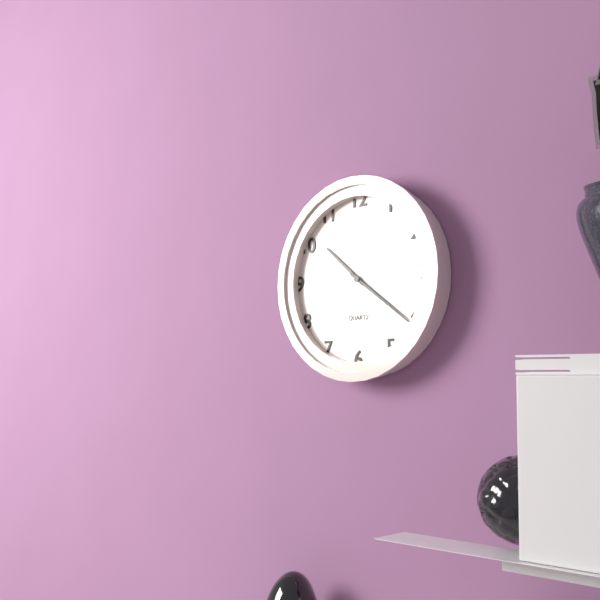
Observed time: 10:21
